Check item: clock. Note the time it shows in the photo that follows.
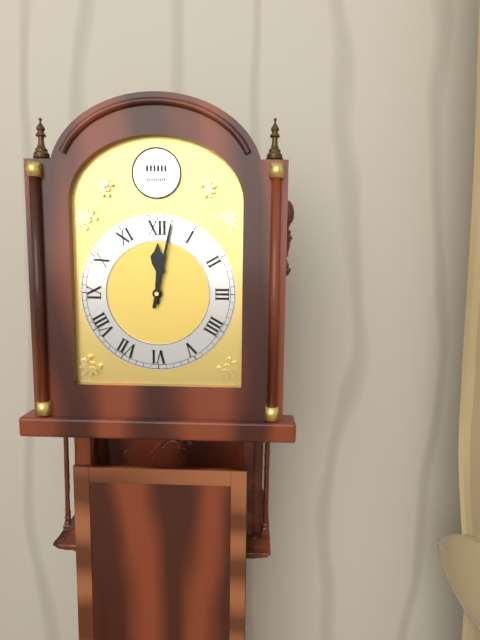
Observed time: 12:02
